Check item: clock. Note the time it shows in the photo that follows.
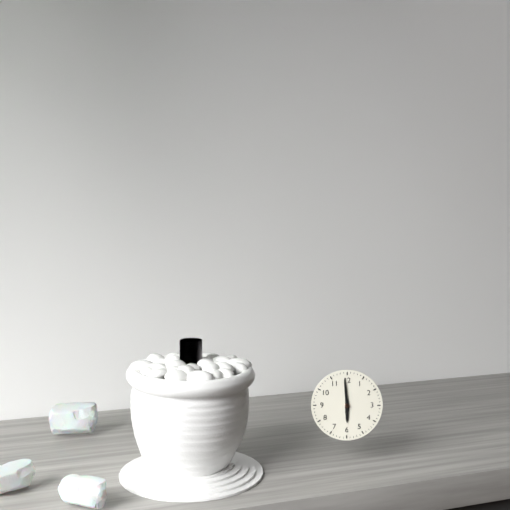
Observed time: 5:59
